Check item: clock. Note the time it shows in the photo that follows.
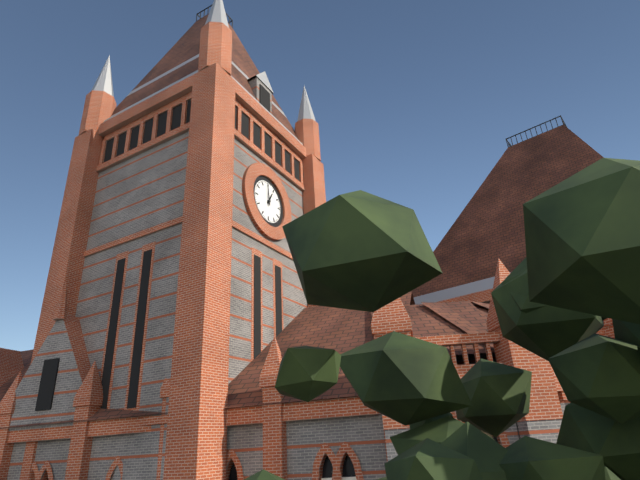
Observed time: 12:59
